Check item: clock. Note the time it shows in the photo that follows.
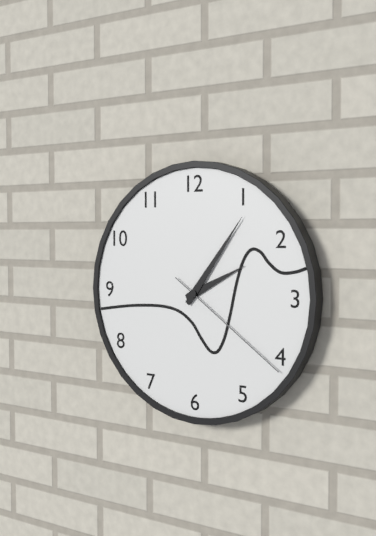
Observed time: 2:06:21
